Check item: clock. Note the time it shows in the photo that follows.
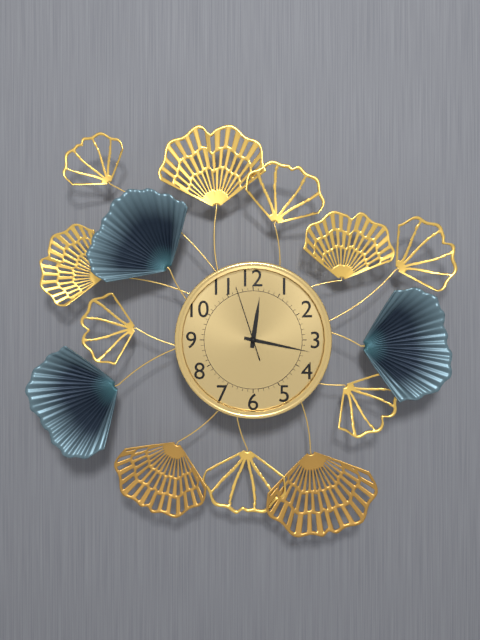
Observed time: 12:17:57
